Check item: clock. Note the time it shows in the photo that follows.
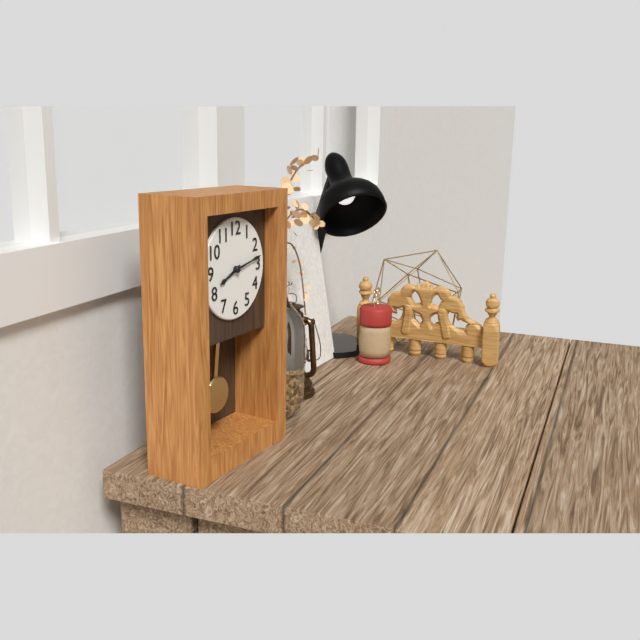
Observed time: 8:13
